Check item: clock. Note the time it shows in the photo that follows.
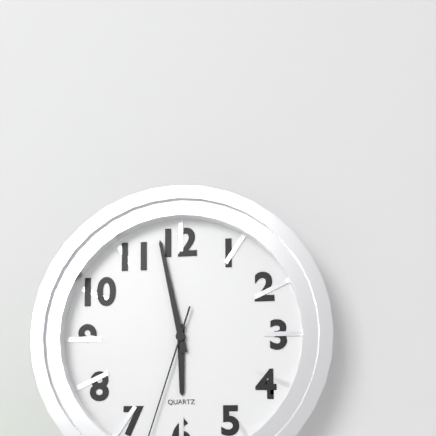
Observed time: 5:58
